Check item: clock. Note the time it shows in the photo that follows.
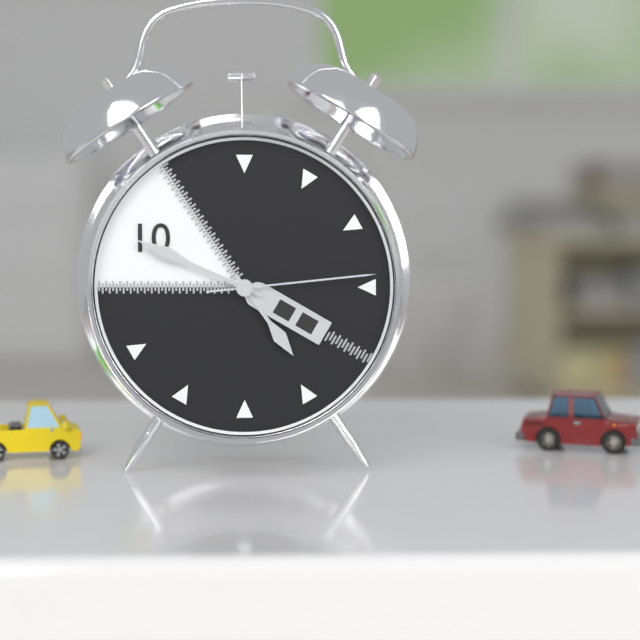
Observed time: 4:49:14
